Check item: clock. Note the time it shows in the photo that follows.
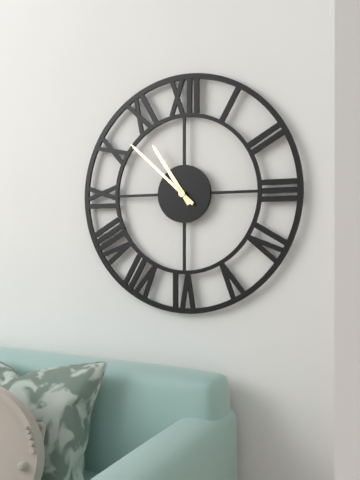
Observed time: 10:52
